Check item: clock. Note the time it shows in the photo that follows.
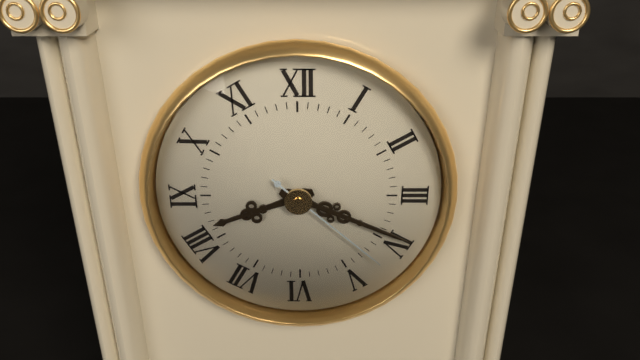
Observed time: 8:19:22
